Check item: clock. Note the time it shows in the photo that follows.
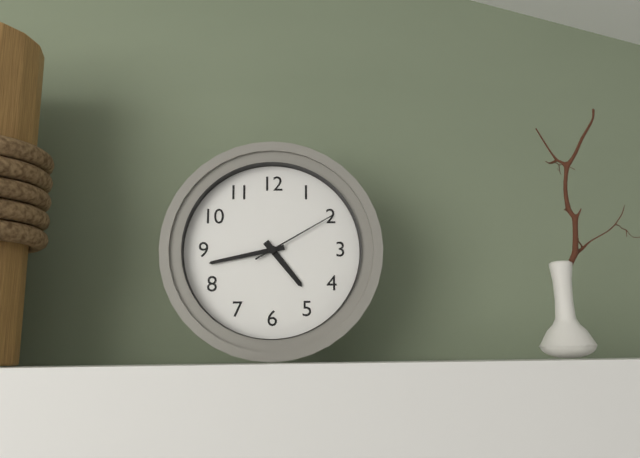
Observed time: 4:43:10
